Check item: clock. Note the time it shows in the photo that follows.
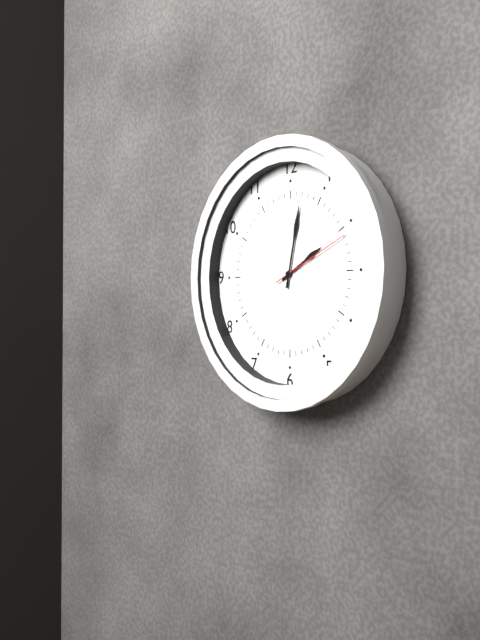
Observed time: 2:02:11
